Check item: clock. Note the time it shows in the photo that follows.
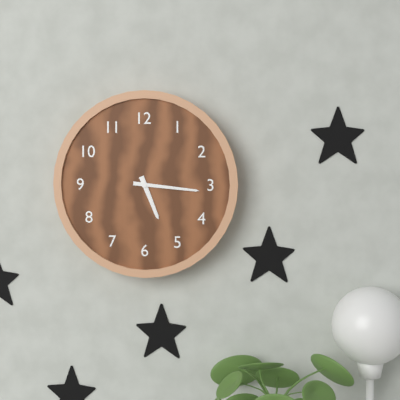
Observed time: 5:16
